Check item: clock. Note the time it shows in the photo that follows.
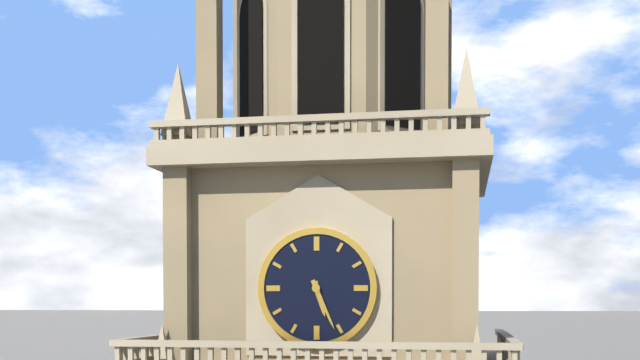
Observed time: 5:26
